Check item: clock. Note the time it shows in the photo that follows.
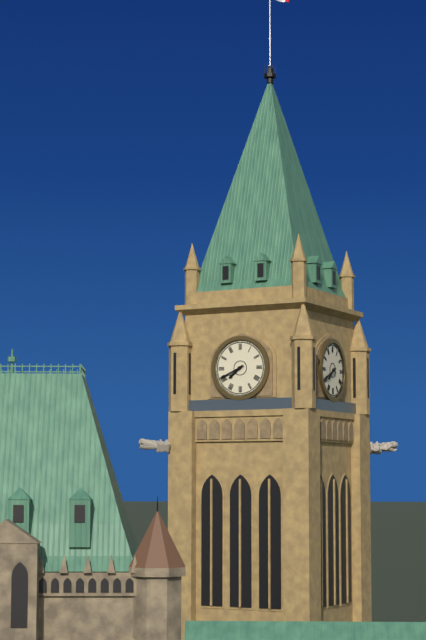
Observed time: 7:41
